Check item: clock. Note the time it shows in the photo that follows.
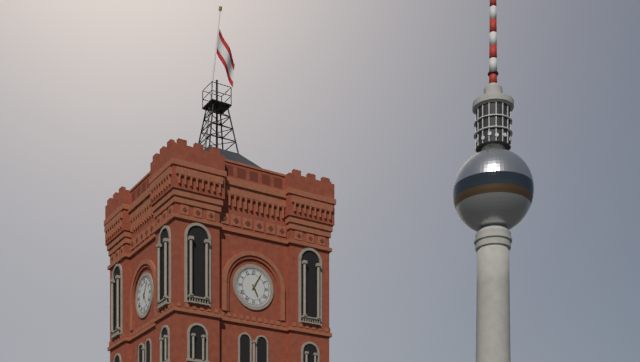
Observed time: 5:05
